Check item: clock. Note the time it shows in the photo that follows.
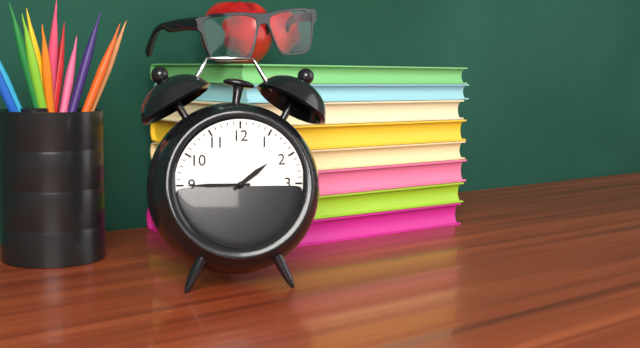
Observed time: 1:45
